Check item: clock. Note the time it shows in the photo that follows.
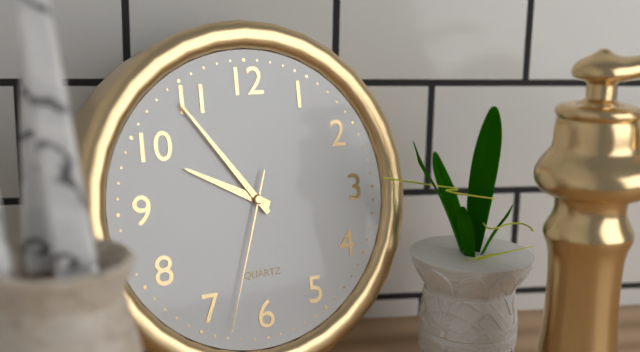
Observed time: 9:54:33
